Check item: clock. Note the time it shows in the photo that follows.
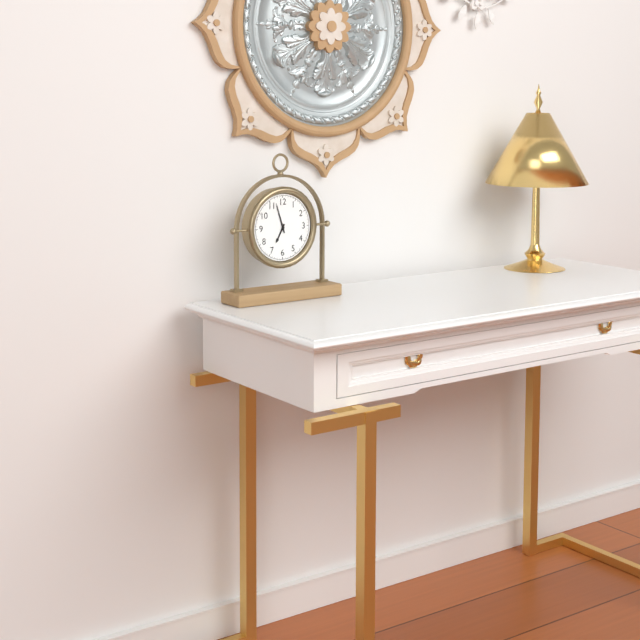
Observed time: 6:57
